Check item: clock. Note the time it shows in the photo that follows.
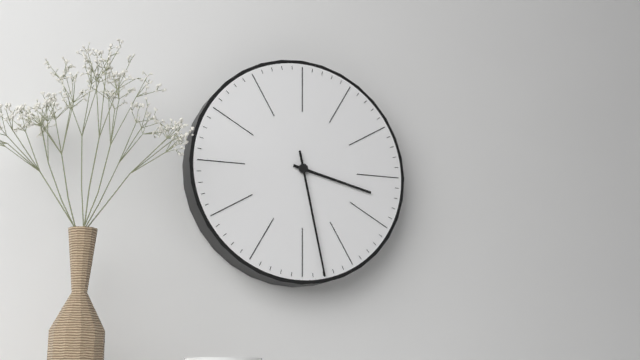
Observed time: 3:28
